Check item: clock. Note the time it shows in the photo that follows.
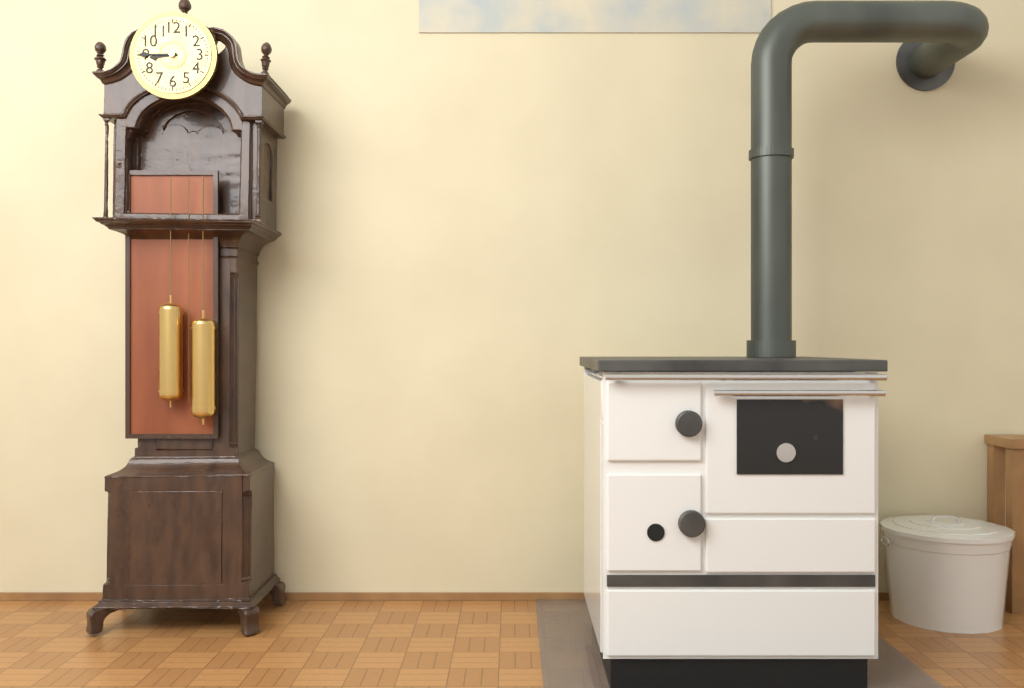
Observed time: 8:45
